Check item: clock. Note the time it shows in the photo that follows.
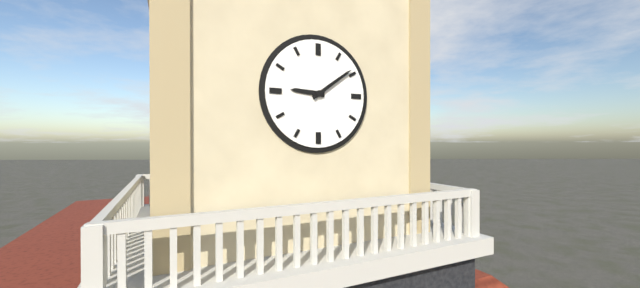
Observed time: 9:09
